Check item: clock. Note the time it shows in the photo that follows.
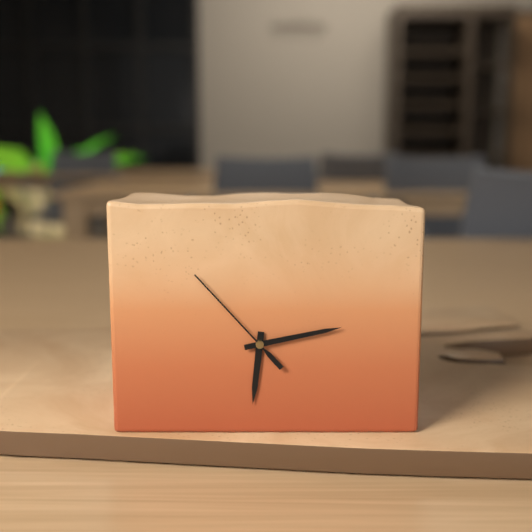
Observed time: 6:13:53
